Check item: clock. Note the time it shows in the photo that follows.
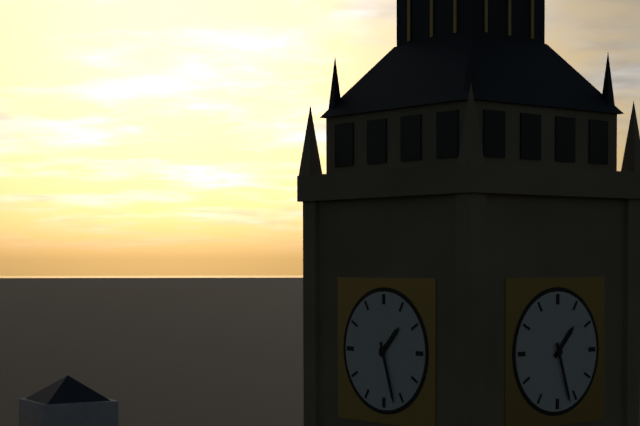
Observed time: 1:27
